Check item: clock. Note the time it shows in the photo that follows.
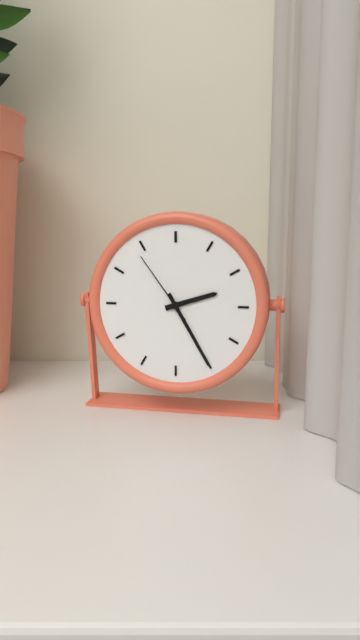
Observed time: 2:25:54
